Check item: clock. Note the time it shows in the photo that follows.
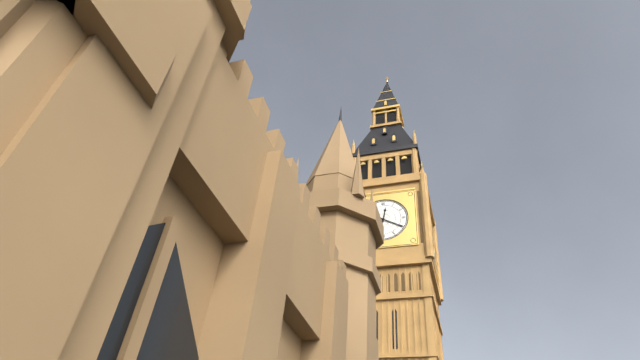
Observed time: 12:20
